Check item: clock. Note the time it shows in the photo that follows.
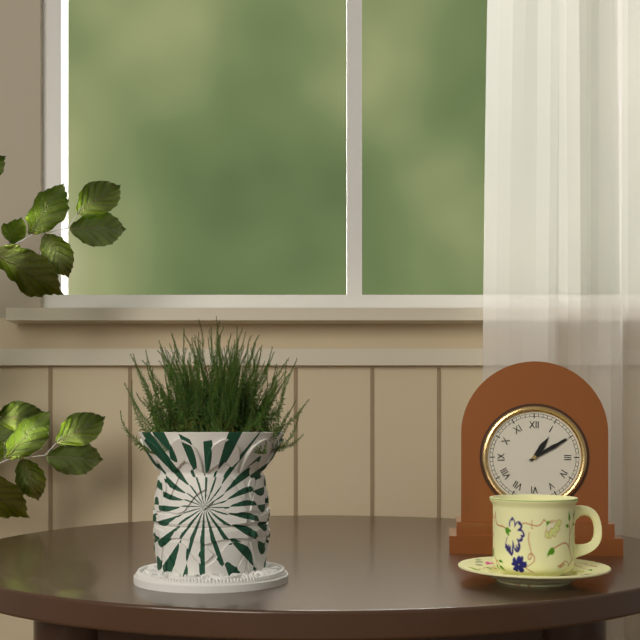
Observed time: 1:10
